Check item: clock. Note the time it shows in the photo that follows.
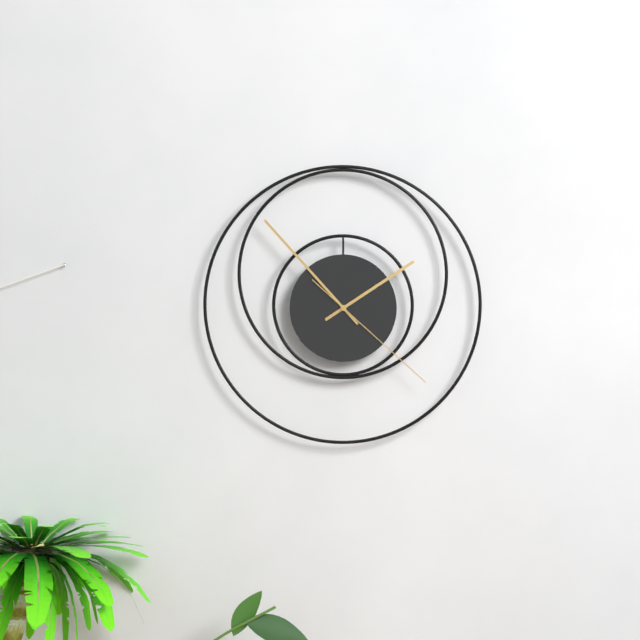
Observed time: 1:53:22
